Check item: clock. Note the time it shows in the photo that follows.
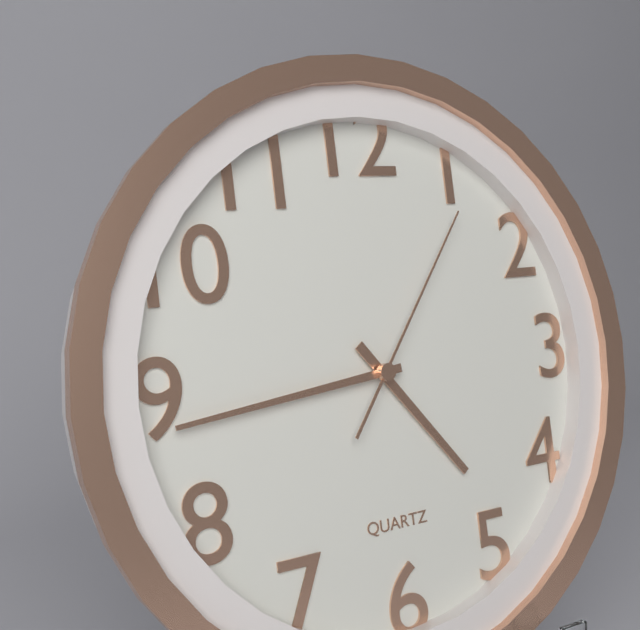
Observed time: 4:44:06
